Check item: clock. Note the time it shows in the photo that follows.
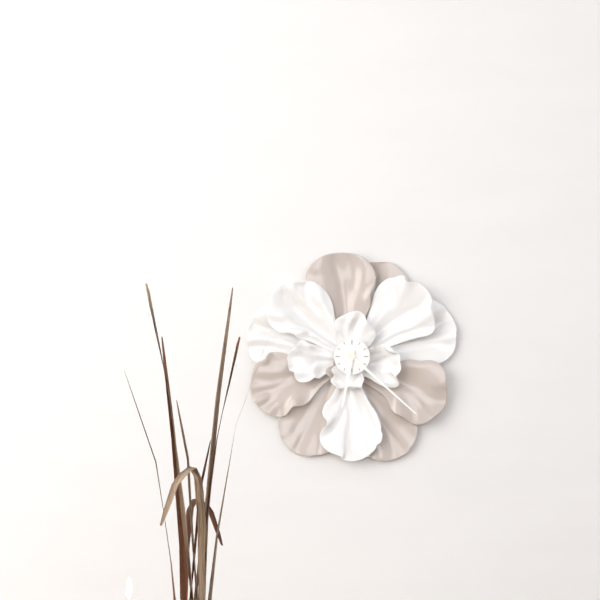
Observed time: 6:22
